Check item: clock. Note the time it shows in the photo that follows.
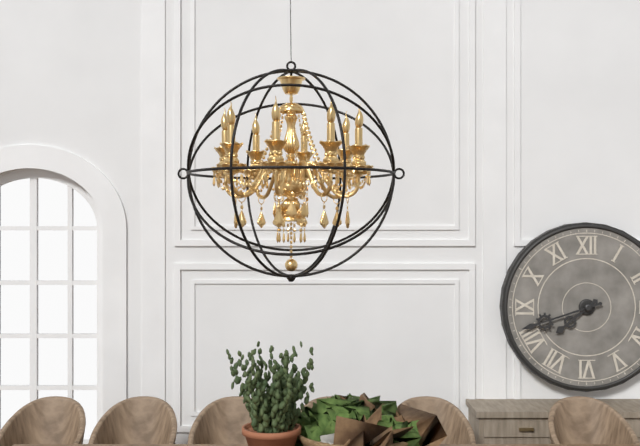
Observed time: 7:42
